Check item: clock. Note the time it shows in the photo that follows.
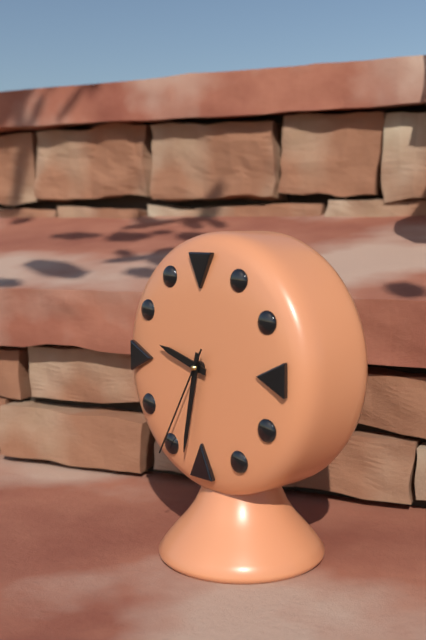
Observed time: 9:32:35
